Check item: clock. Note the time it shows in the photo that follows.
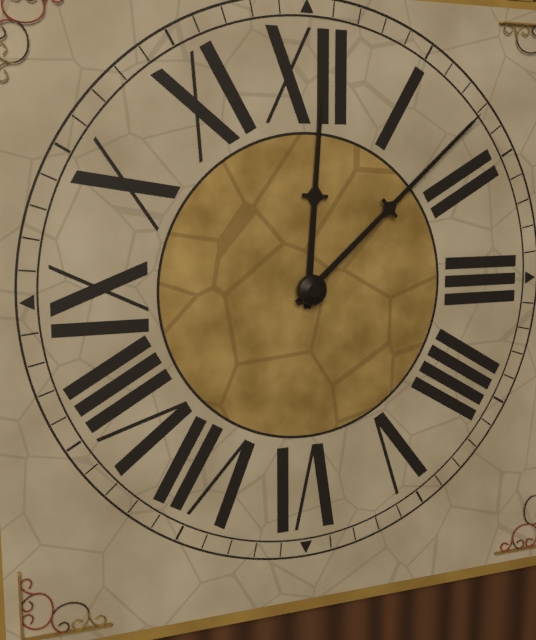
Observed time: 12:08
